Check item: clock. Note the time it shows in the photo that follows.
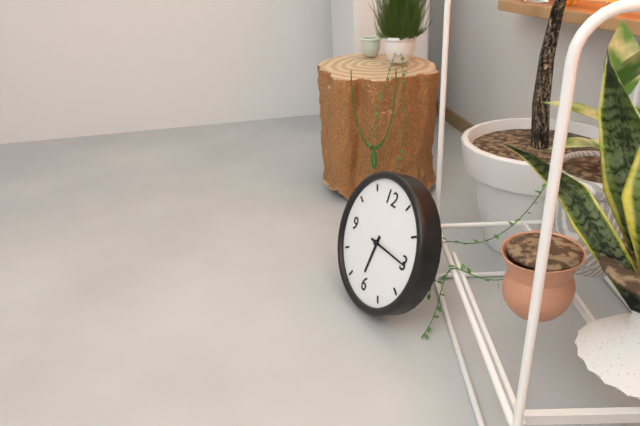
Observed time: 6:15
